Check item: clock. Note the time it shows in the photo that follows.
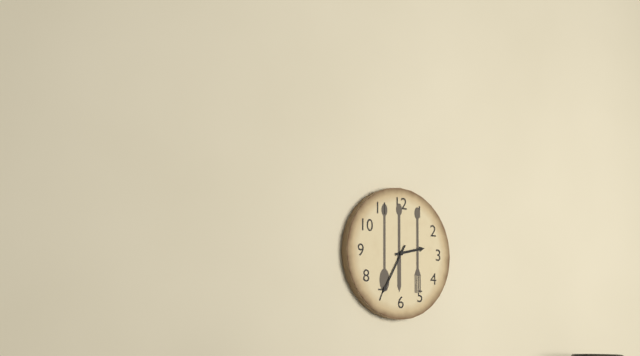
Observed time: 2:35
